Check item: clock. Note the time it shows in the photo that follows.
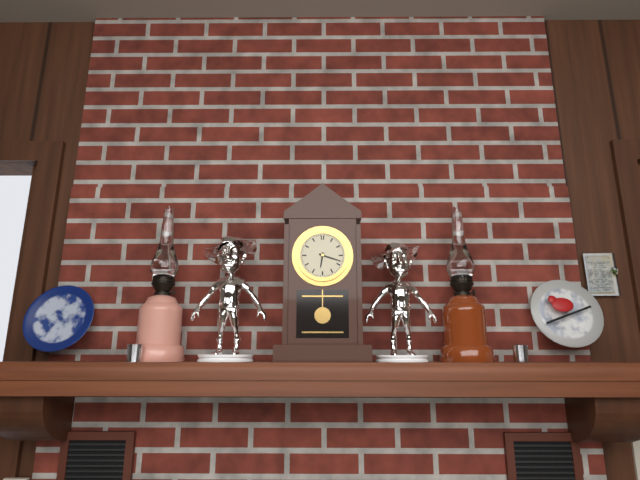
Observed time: 6:18
